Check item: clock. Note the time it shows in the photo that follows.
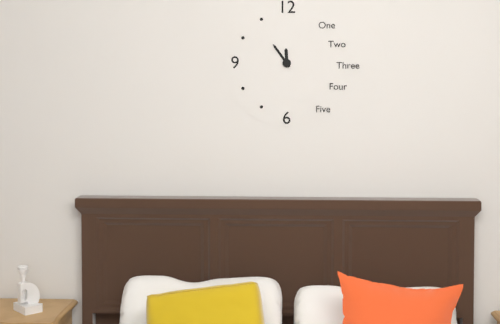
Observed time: 11:54
